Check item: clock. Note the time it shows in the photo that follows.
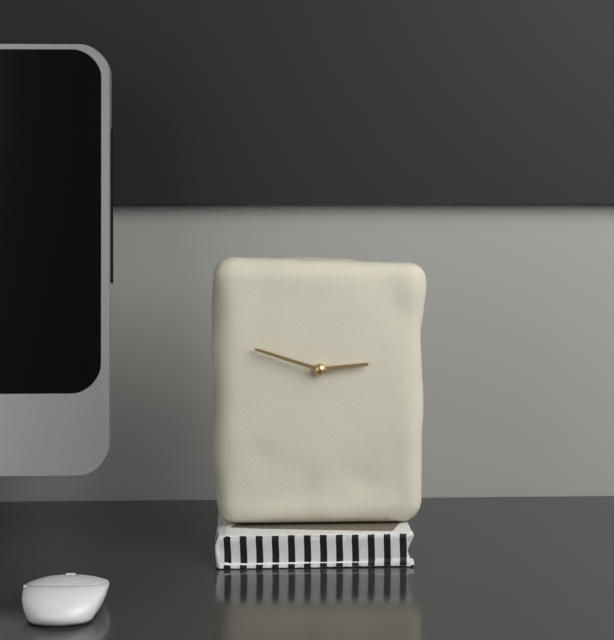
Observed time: 2:48
